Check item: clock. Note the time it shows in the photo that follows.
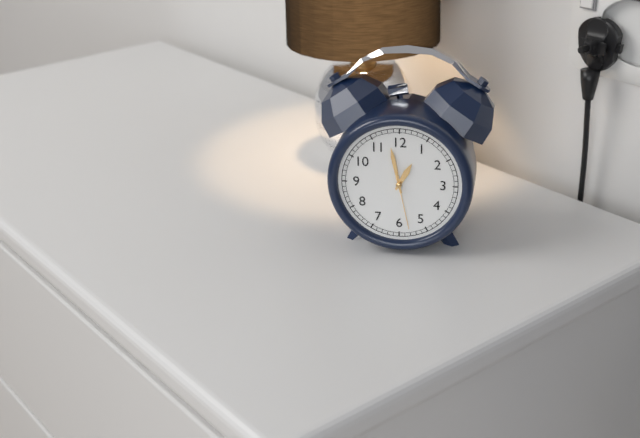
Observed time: 12:58:28
